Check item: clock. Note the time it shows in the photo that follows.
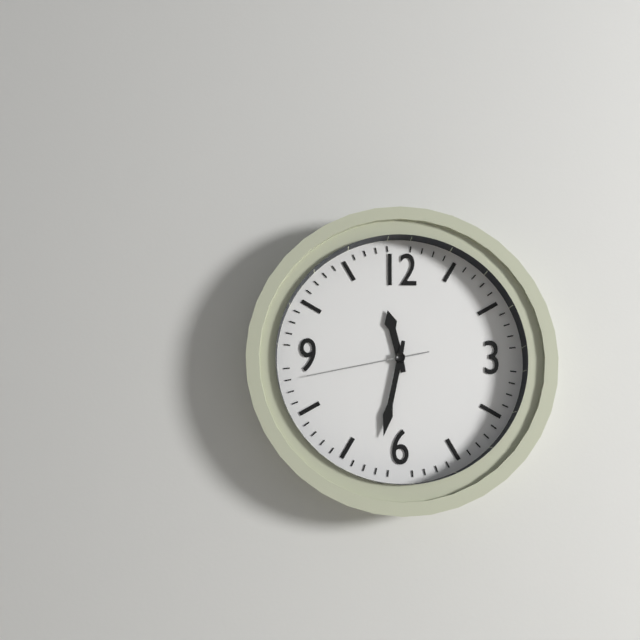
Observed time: 11:32:43
